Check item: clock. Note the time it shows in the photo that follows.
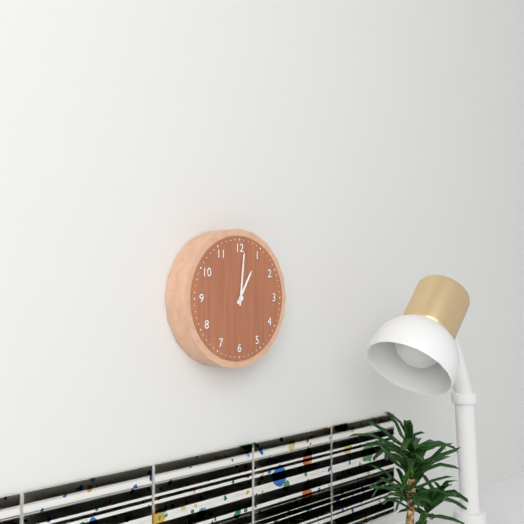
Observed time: 1:01
